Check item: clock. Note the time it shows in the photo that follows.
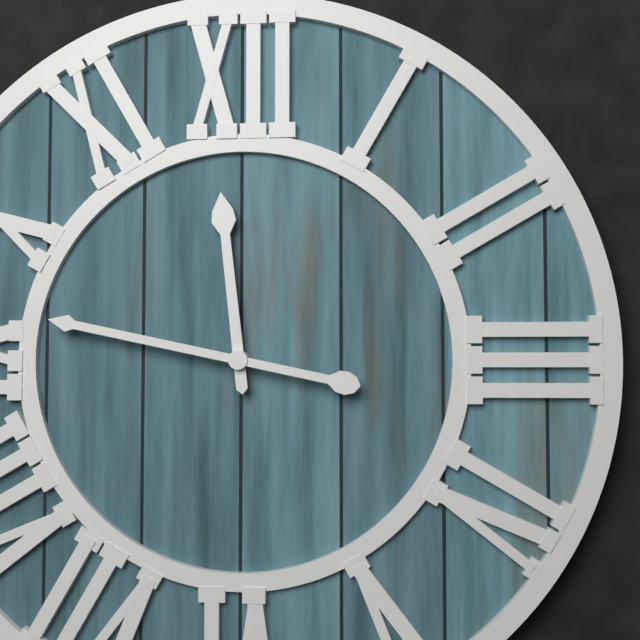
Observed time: 11:47
